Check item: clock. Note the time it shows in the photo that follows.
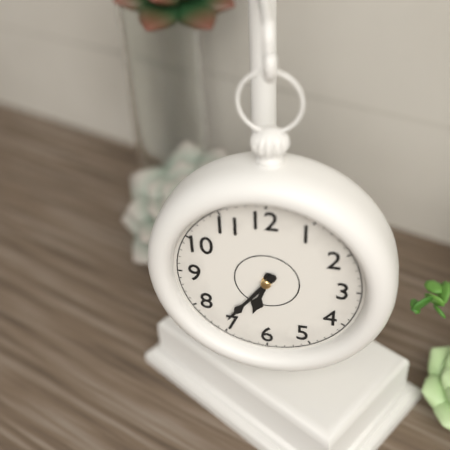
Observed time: 6:36
